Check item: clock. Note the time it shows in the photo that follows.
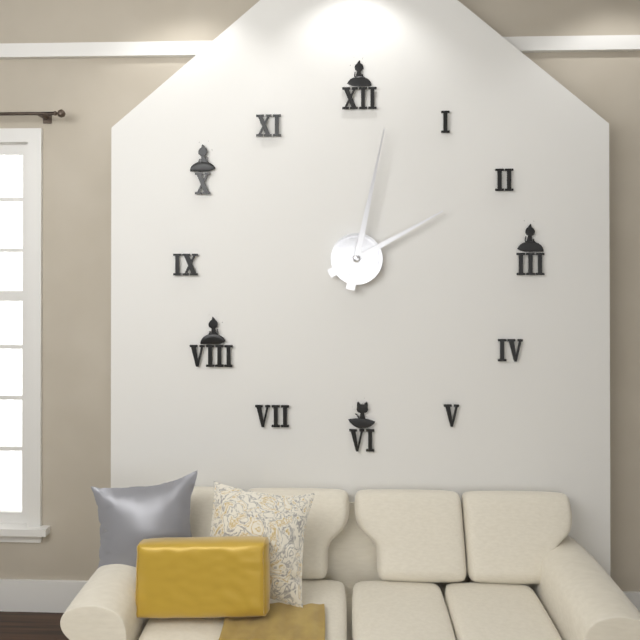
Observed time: 2:02
